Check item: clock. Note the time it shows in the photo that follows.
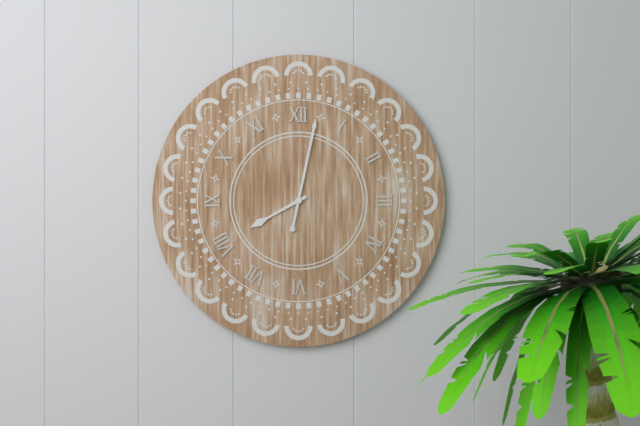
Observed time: 8:02
